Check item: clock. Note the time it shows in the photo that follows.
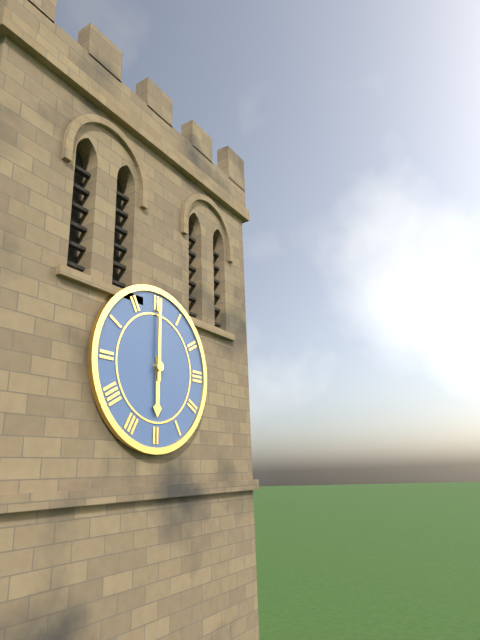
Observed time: 6:00
